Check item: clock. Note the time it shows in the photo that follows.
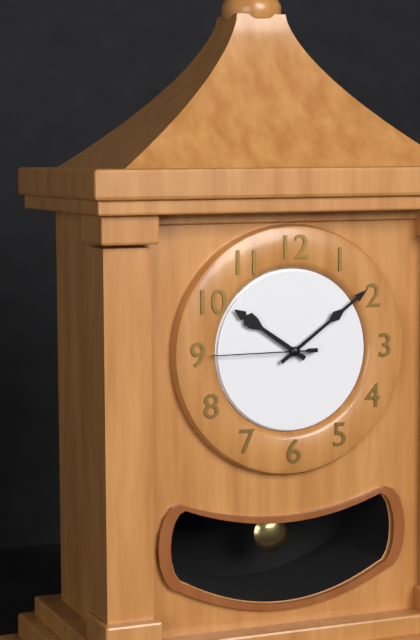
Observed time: 10:09:45
